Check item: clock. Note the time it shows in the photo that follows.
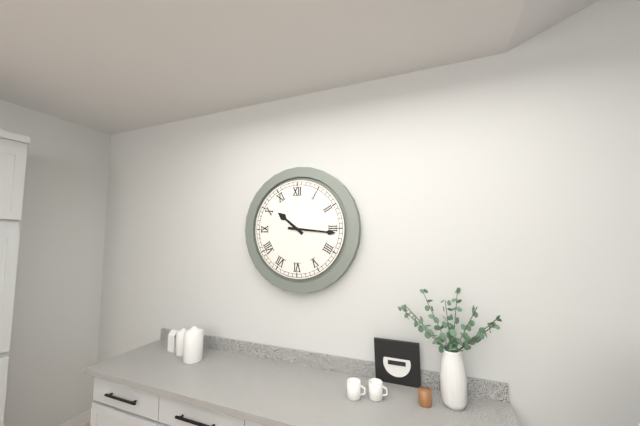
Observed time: 10:16
